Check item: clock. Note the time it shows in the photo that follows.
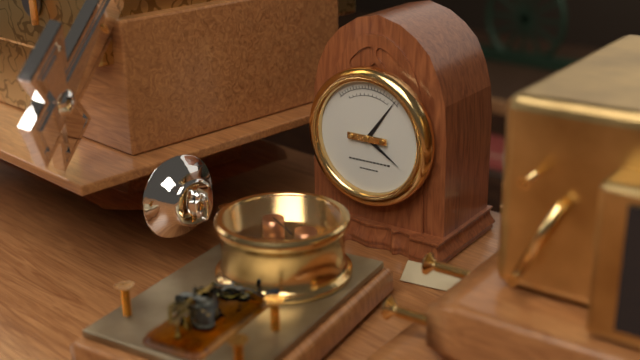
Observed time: 4:06
